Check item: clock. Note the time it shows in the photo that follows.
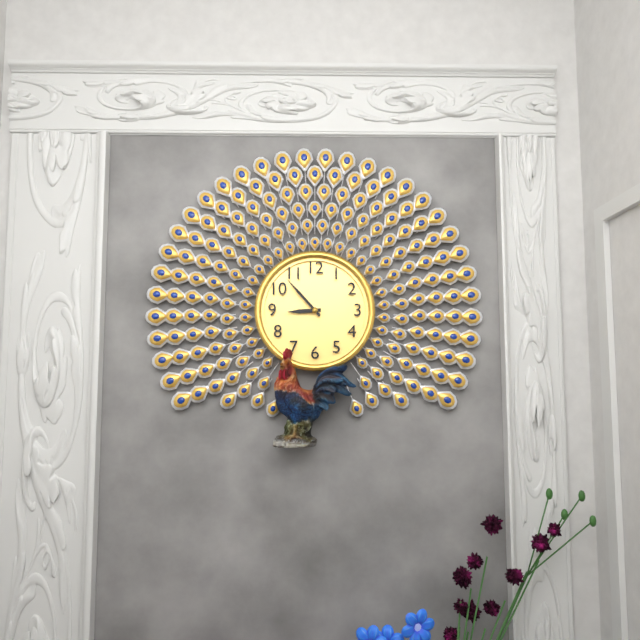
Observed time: 8:53
